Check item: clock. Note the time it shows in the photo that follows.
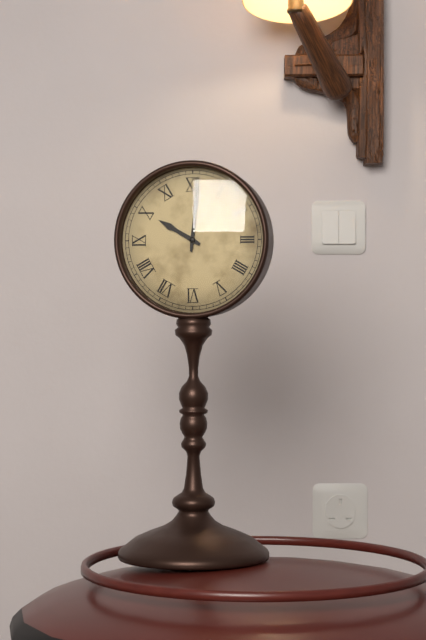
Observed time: 10:01
